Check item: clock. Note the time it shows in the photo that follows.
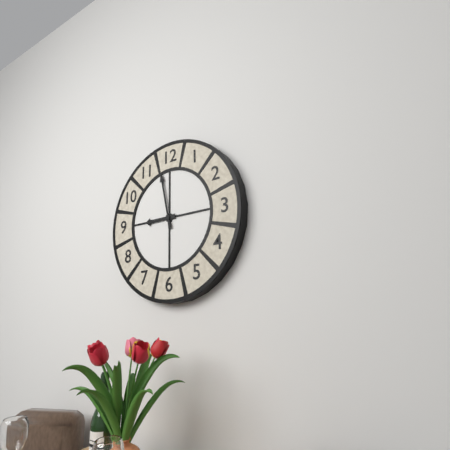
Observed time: 8:58
